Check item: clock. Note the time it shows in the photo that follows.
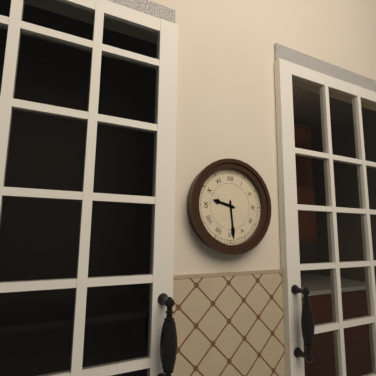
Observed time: 9:29
